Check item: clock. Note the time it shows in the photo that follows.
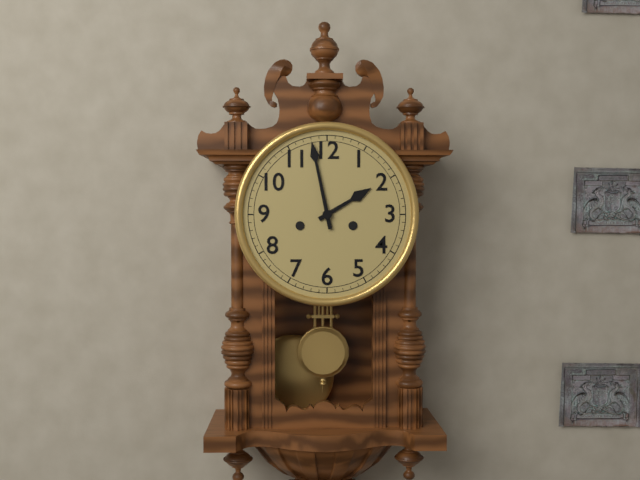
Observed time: 1:58
